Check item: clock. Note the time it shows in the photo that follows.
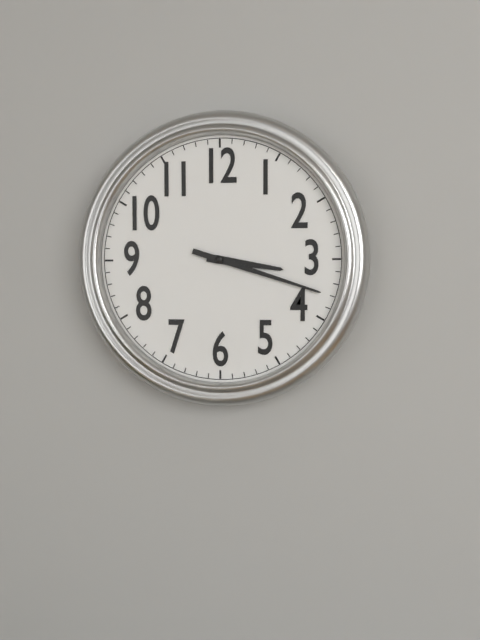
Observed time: 3:18
